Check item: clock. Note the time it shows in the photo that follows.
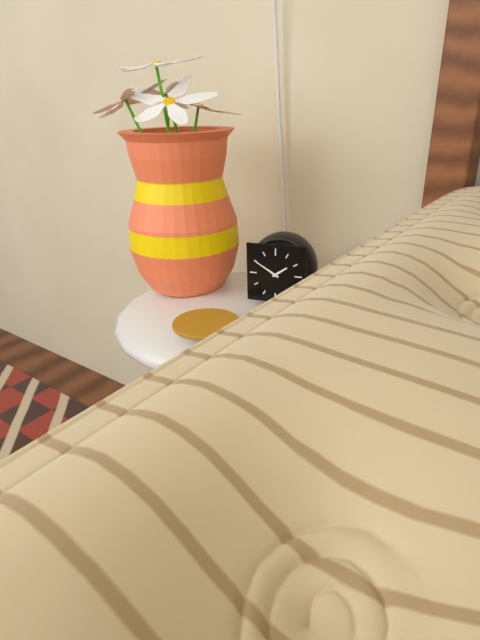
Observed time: 1:50
